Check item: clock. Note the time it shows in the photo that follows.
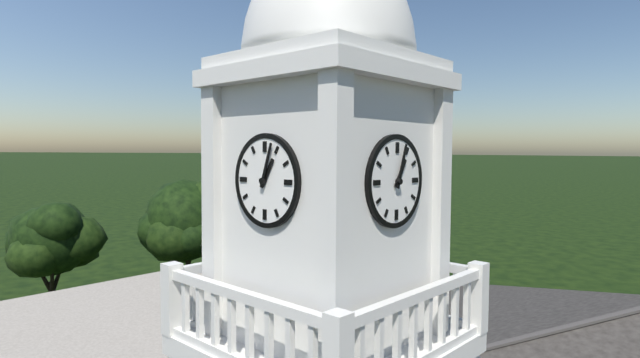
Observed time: 1:03
